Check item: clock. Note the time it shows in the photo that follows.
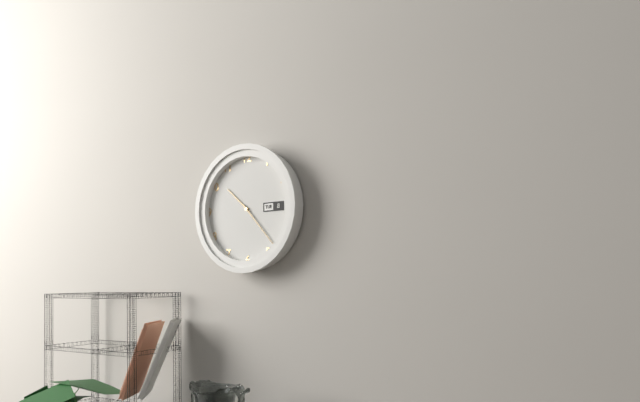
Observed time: 10:23
